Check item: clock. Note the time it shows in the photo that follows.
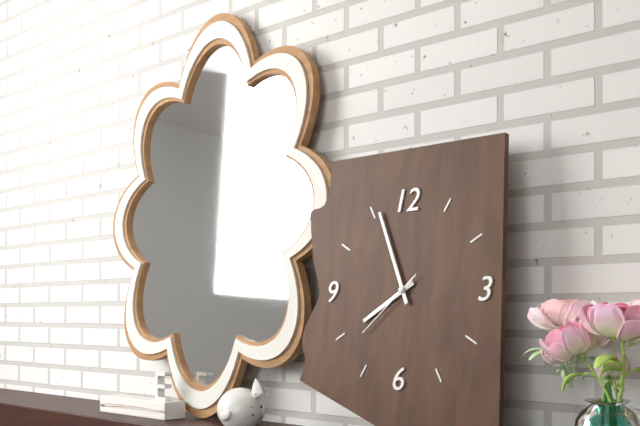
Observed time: 7:56:38
